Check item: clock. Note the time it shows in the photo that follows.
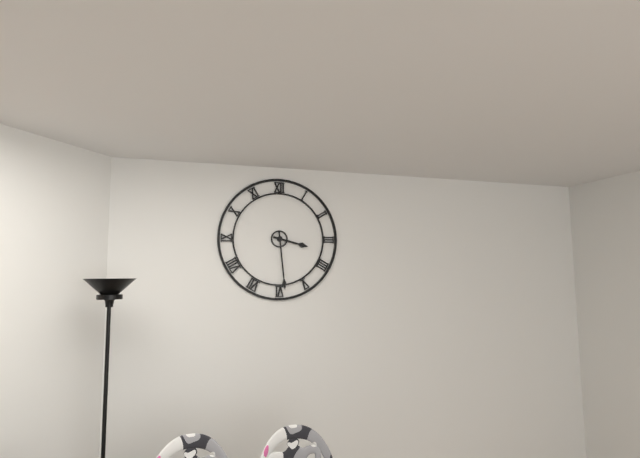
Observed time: 3:29
